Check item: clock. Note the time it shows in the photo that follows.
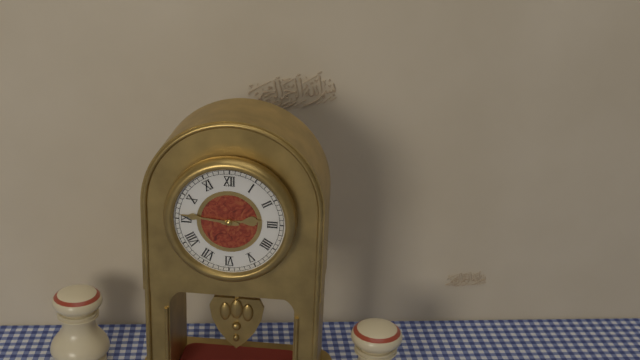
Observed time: 2:46
